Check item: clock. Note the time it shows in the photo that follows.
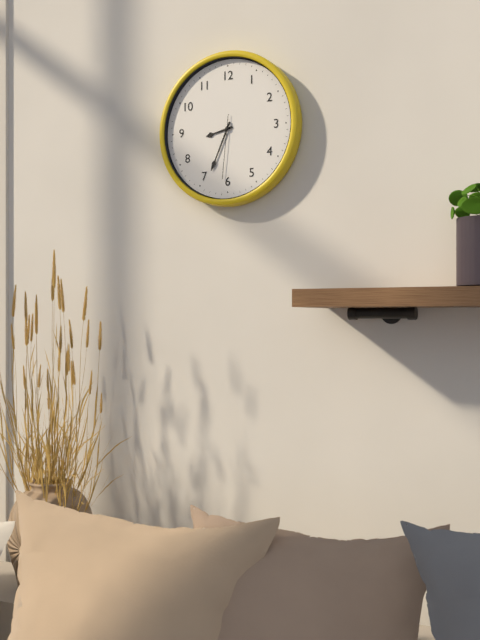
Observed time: 8:34:31
